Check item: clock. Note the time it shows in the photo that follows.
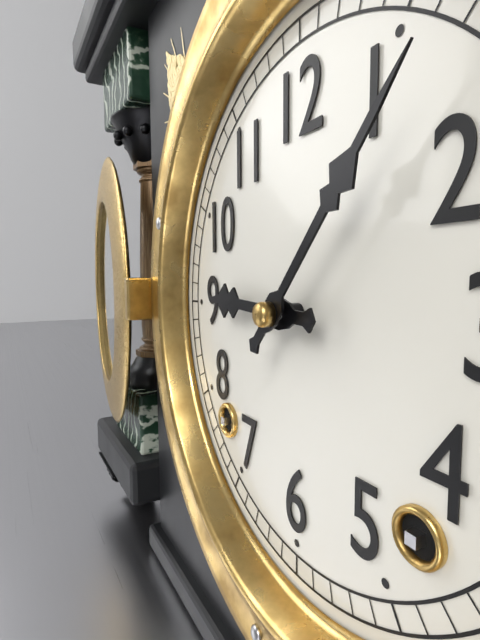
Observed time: 9:07
